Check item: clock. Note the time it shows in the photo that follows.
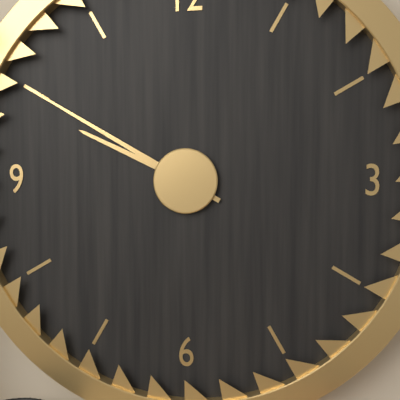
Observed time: 9:50
